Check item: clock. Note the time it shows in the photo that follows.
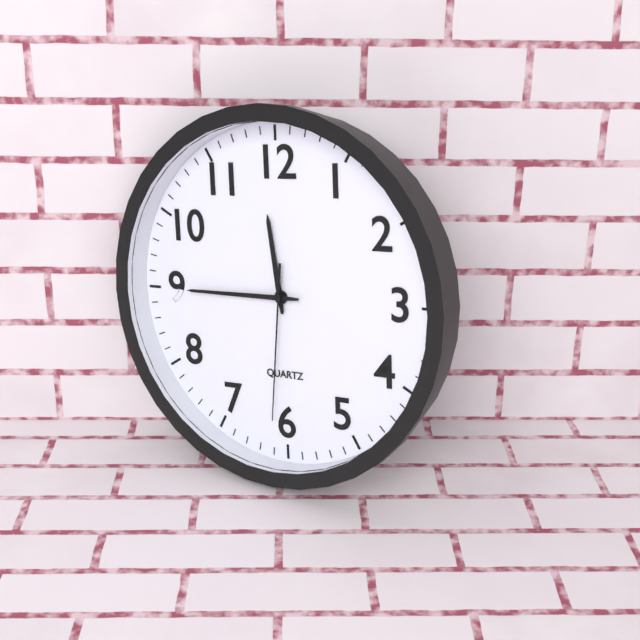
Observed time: 11:45:31
